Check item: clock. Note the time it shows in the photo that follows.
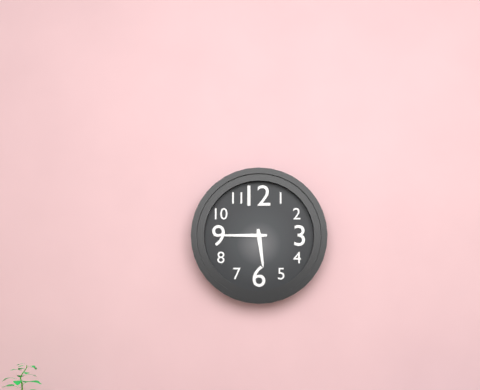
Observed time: 5:45
